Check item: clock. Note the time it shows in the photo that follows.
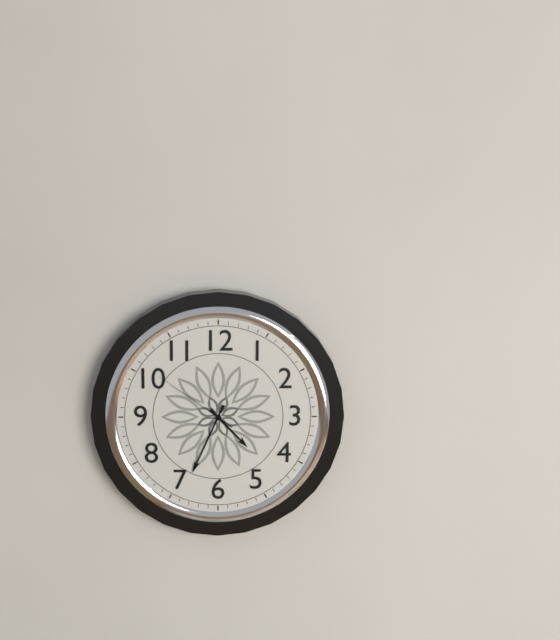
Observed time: 4:34:51
